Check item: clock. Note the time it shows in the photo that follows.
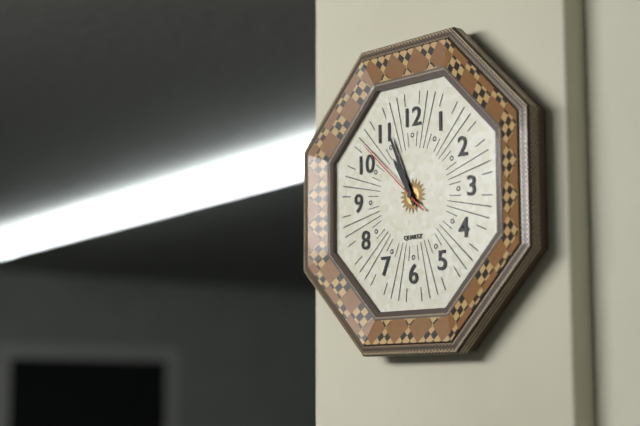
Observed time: 10:56:52
